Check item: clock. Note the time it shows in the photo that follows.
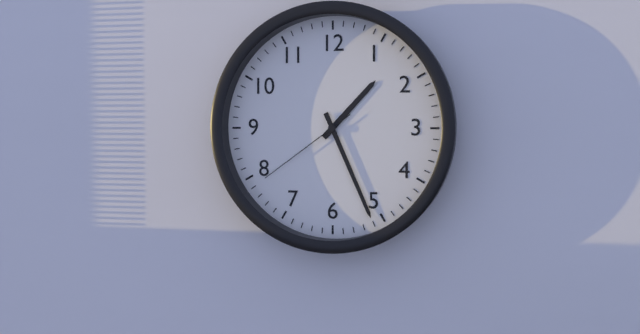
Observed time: 1:26:39
